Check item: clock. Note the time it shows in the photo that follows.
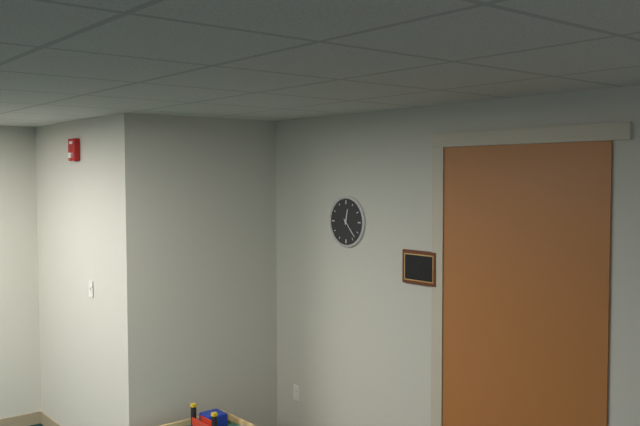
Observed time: 12:23
